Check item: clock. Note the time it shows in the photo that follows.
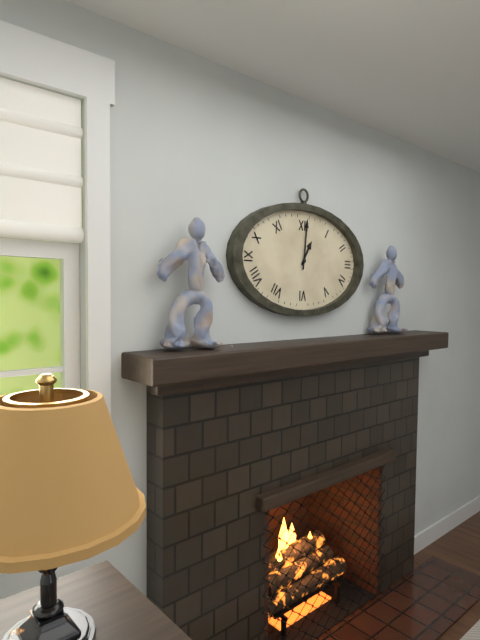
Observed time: 1:01
